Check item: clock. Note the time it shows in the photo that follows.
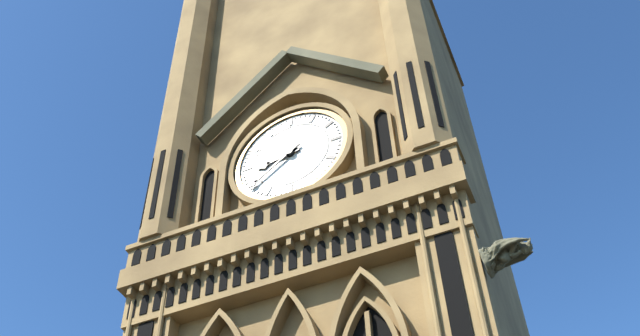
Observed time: 8:39
